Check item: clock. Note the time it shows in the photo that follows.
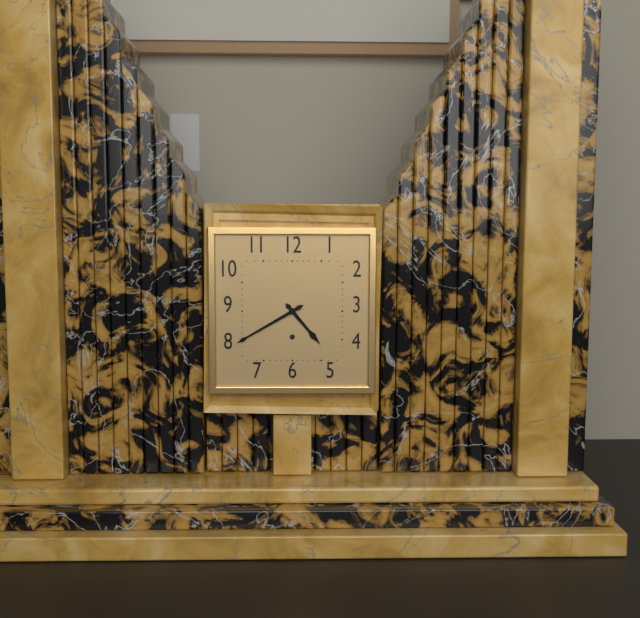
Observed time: 4:40
